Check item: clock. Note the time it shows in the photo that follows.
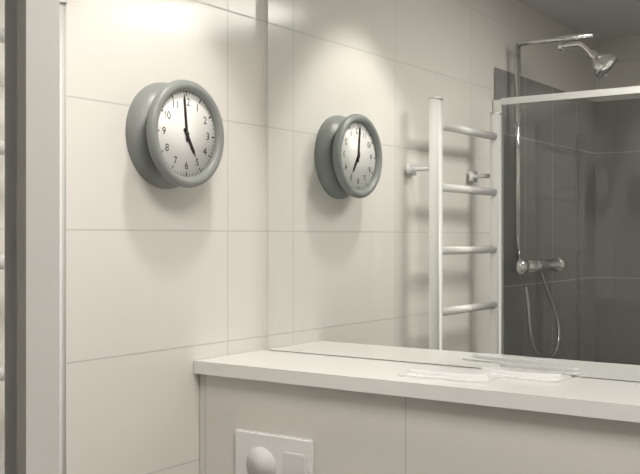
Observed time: 4:59
